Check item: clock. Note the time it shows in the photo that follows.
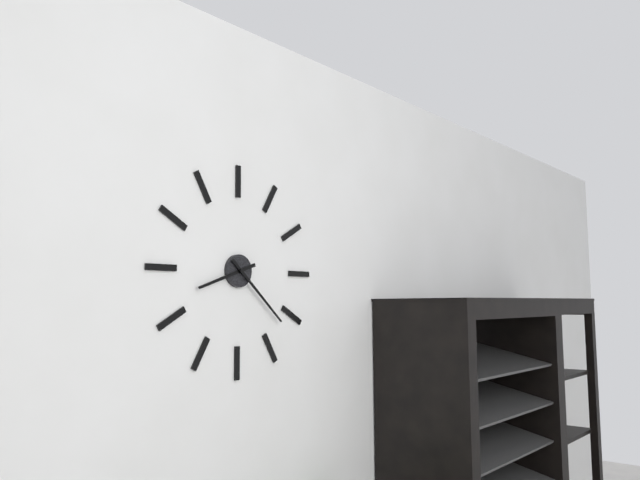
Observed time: 8:22
